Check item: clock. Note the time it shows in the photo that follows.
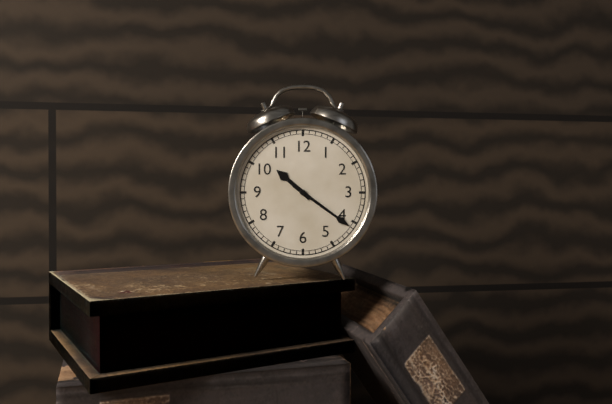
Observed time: 10:21
